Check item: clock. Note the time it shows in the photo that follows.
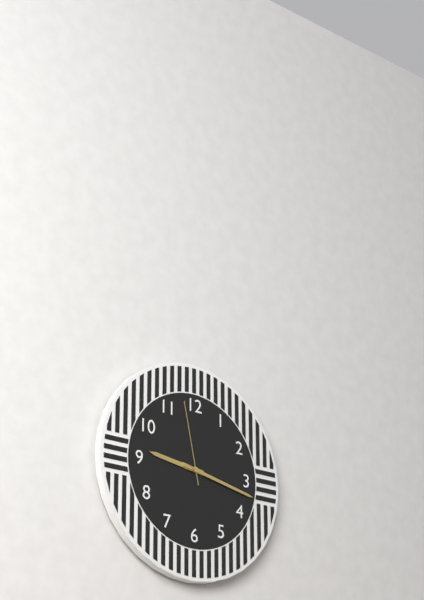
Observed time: 9:17:58
